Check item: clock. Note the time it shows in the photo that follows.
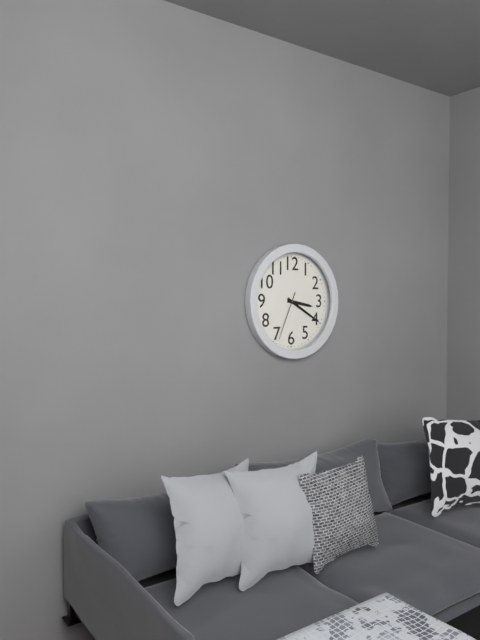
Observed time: 3:20:34
